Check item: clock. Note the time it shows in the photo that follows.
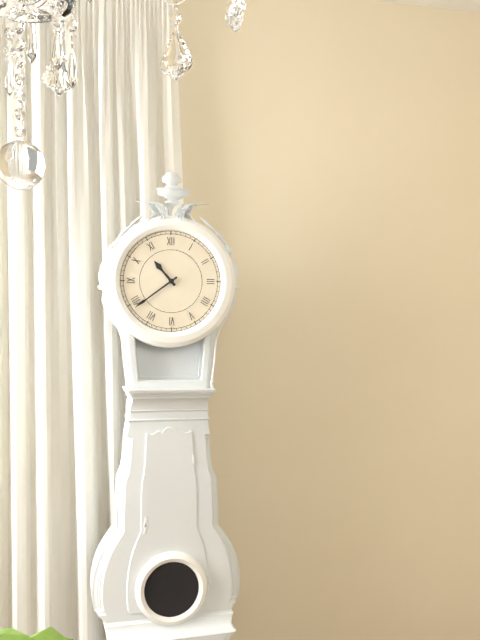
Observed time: 10:39
